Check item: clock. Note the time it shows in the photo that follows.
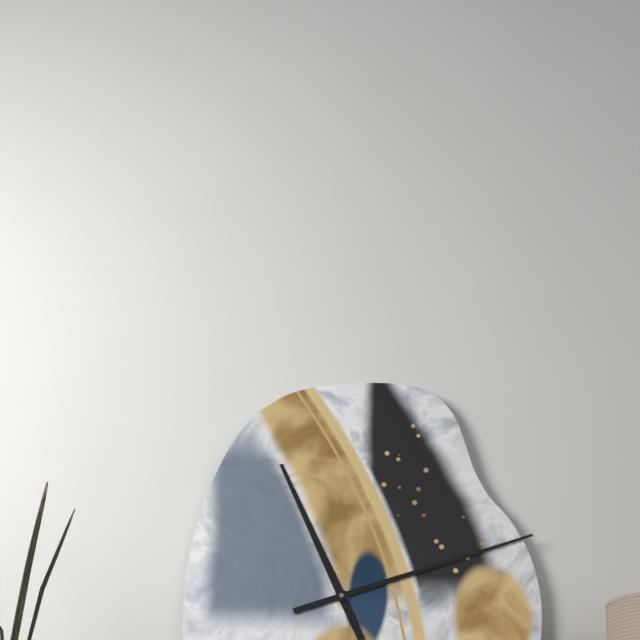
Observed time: 11:12
